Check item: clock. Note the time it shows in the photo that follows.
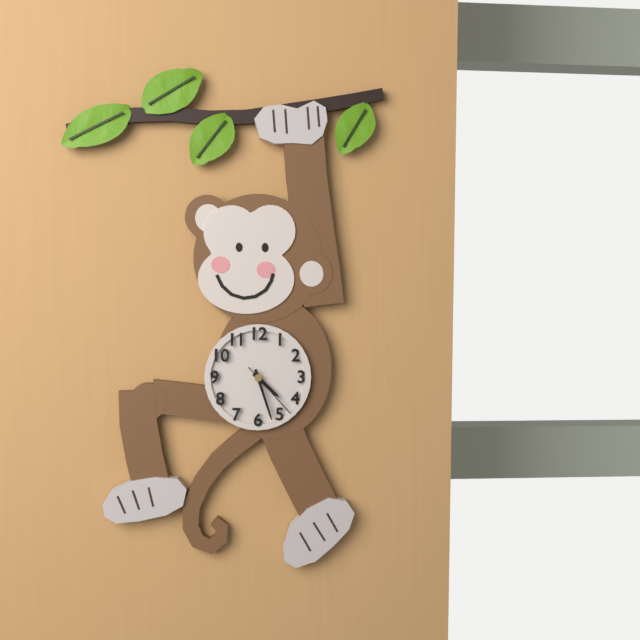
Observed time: 4:27:23
